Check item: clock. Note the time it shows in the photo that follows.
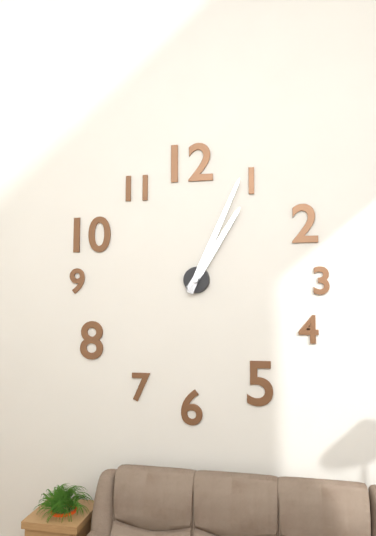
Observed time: 1:04
